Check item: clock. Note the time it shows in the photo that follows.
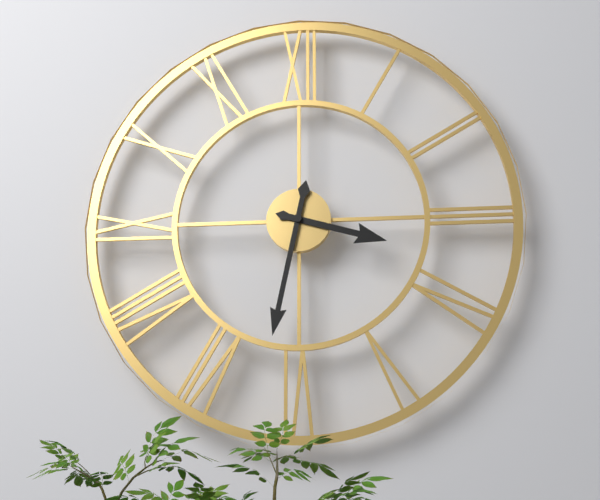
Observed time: 3:32
